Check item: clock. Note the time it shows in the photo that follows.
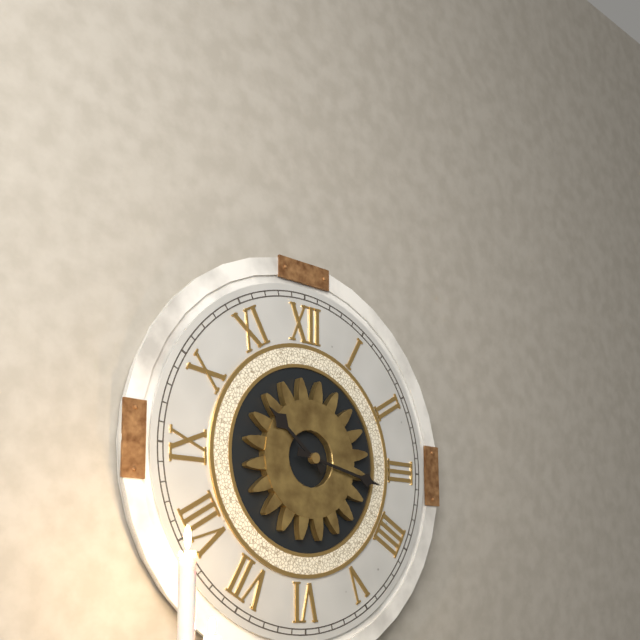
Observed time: 10:17
